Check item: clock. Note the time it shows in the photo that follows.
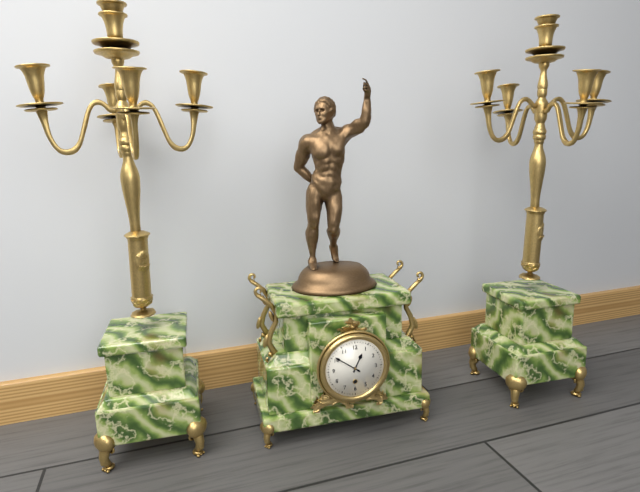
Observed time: 12:51
